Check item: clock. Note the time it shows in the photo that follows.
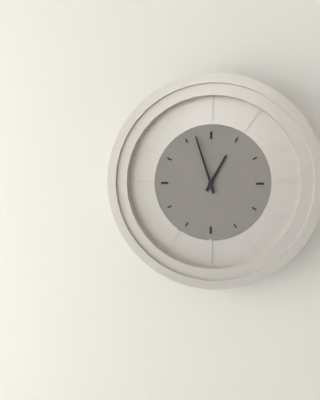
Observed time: 12:57
